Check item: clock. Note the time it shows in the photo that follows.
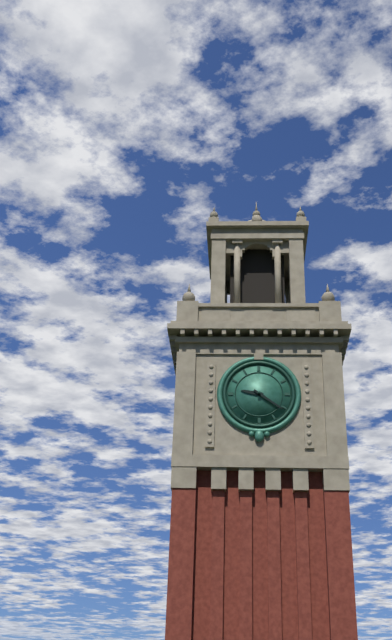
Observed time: 9:21
